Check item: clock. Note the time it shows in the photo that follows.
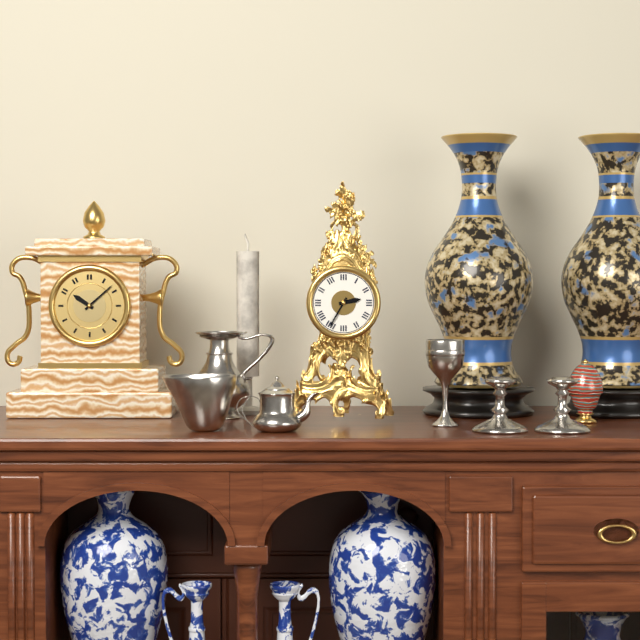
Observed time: 2:35
